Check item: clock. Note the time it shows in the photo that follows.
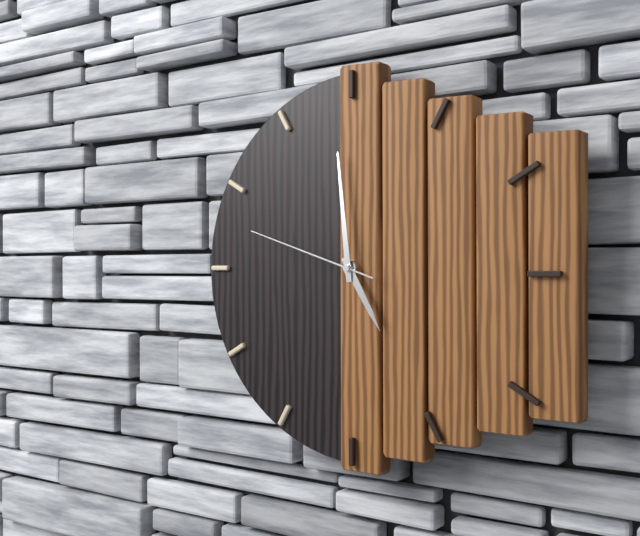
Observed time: 4:59:48
